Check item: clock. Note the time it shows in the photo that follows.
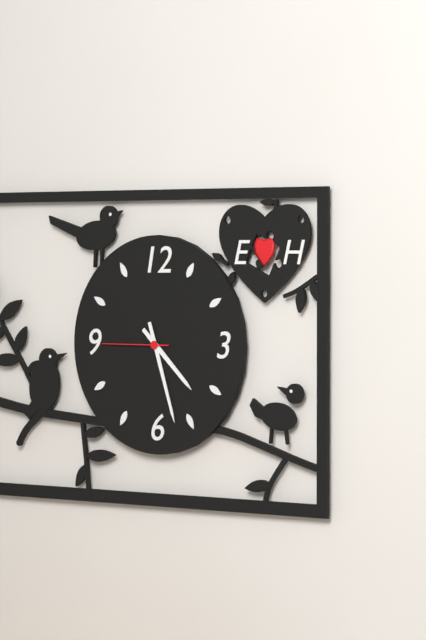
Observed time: 4:27:45
